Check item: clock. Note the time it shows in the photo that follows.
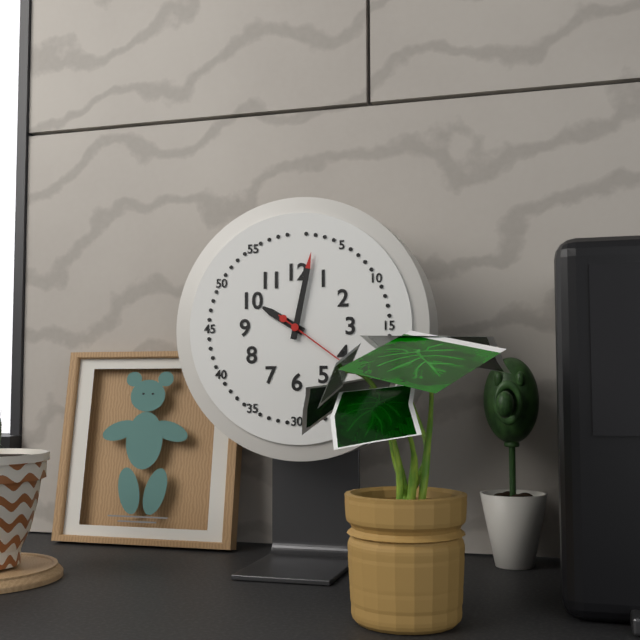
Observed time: 10:02
